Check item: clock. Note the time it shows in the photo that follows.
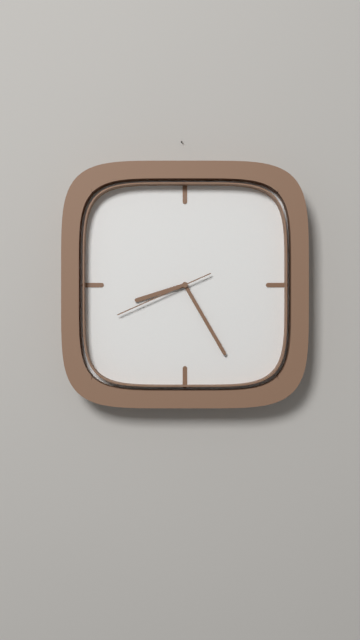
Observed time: 8:25:41
